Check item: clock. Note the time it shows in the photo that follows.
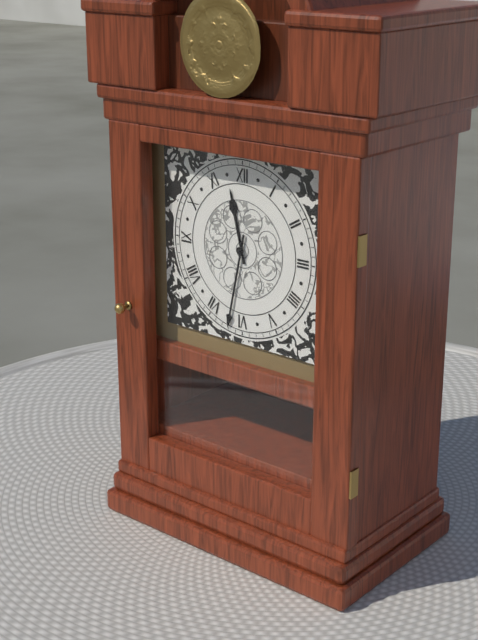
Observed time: 11:32
